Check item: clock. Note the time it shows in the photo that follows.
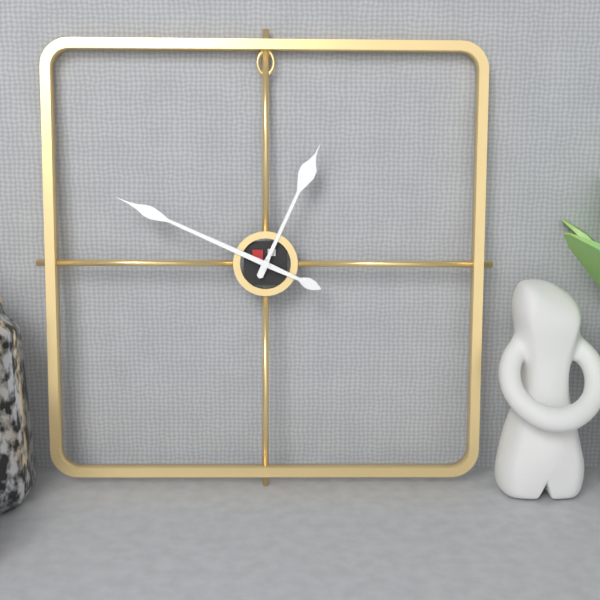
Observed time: 12:49
